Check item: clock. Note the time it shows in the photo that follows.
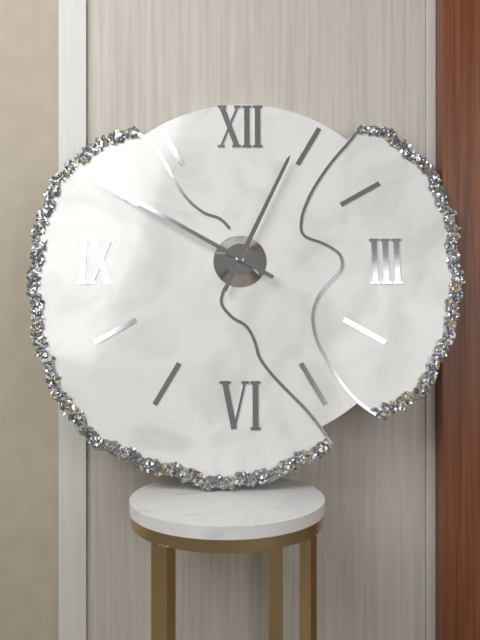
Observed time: 12:50
